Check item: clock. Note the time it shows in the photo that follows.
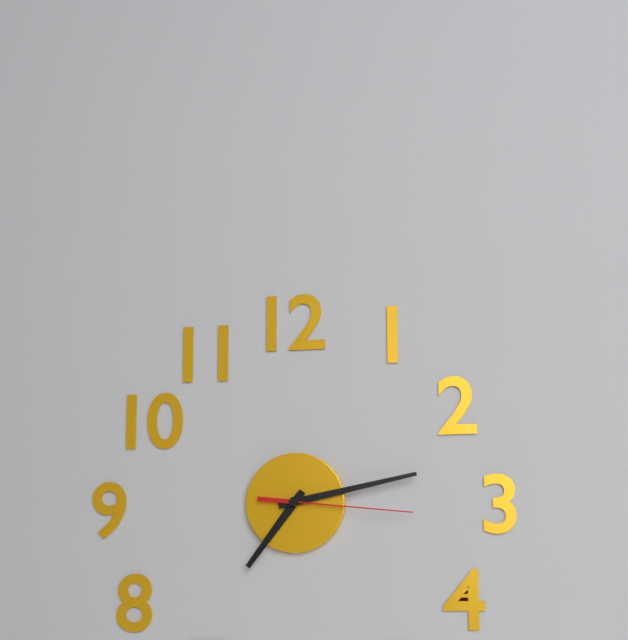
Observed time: 7:13:16
